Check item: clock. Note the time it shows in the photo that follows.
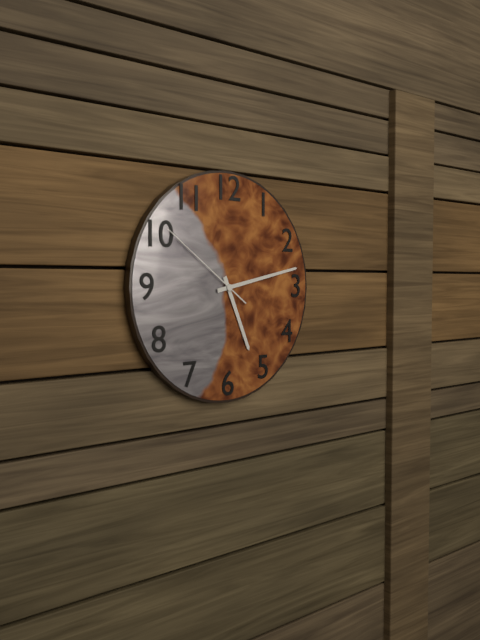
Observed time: 5:13:51
